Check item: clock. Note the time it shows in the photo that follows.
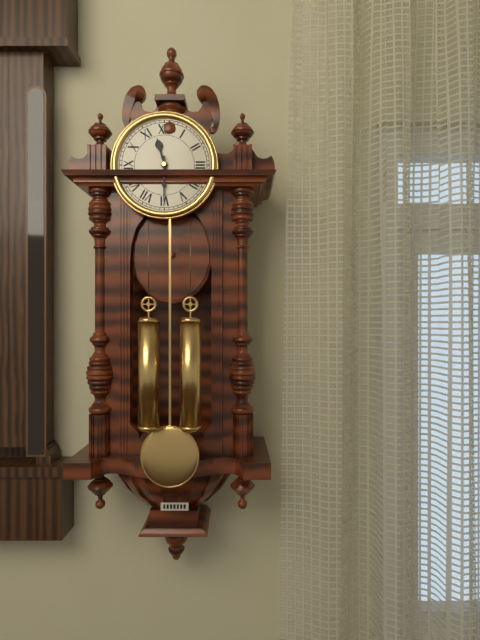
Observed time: 11:30
